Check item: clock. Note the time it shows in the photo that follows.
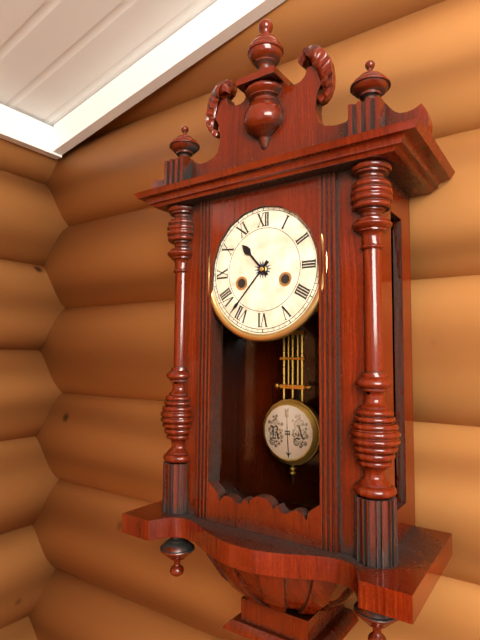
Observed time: 10:37
